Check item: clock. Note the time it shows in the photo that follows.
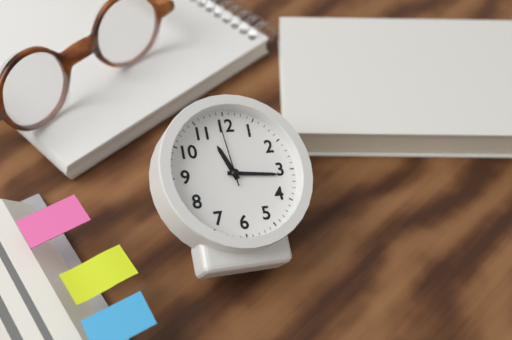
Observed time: 11:16:59
